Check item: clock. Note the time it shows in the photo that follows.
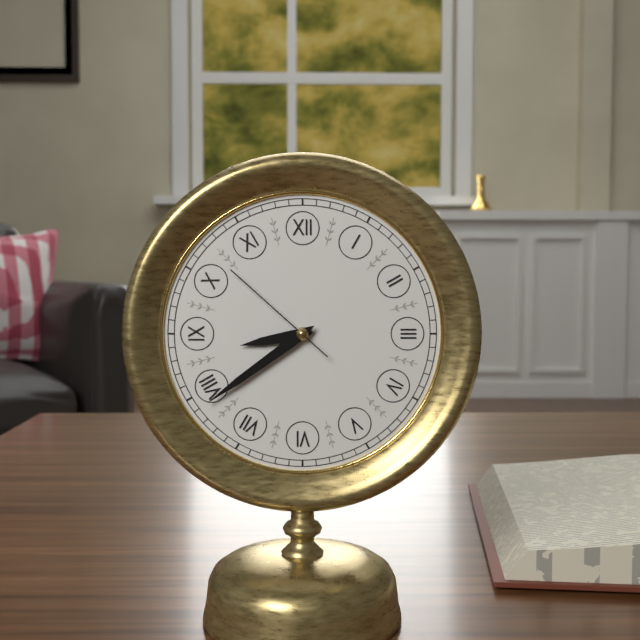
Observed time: 8:39:52
